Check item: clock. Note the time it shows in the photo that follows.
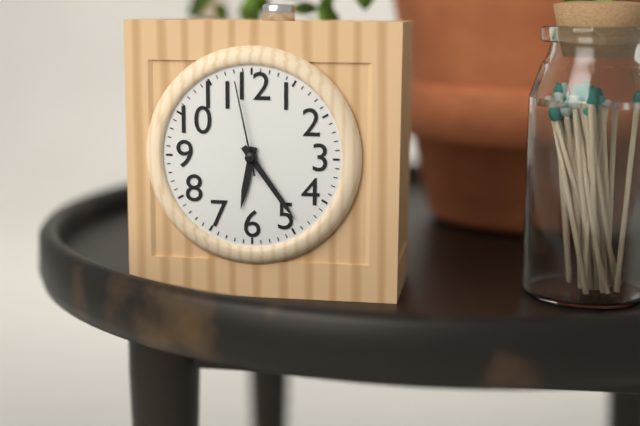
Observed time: 6:24:58
